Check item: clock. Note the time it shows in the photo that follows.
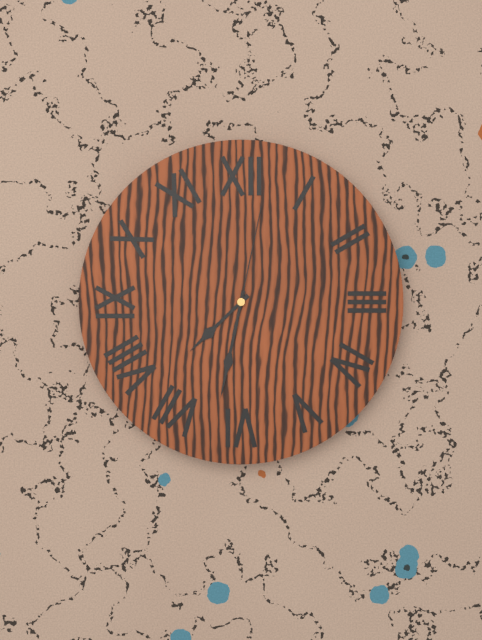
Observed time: 7:32:02
